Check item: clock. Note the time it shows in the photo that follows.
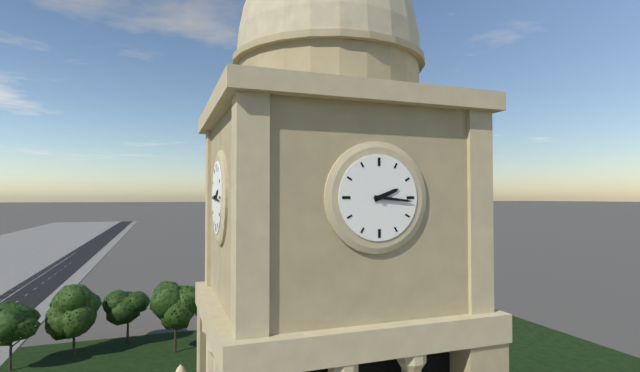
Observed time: 2:16
